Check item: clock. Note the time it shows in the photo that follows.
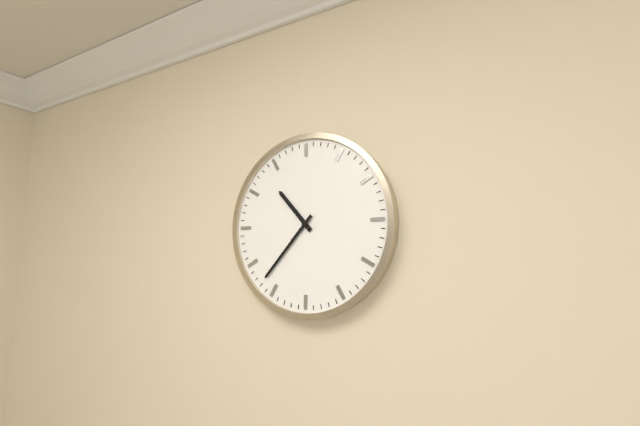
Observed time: 10:37
